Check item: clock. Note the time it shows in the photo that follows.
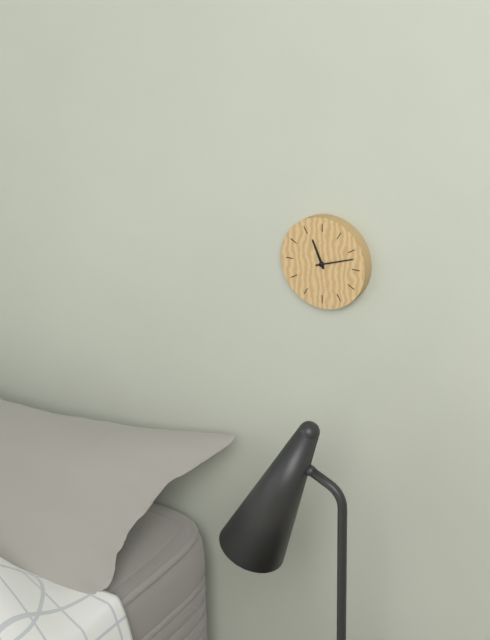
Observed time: 11:12
